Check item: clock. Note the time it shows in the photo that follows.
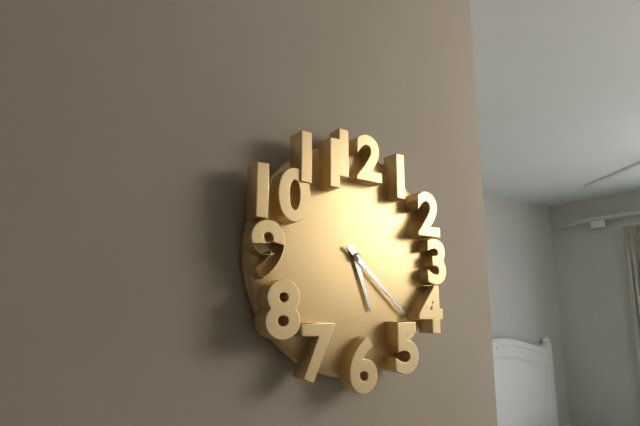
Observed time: 5:22
